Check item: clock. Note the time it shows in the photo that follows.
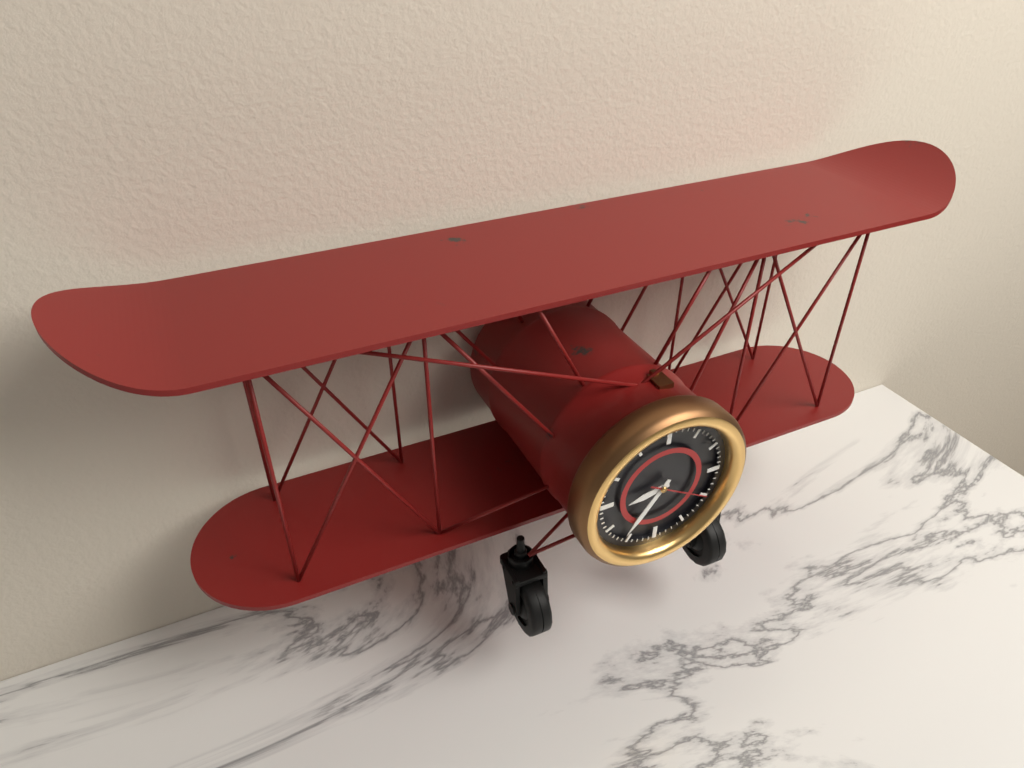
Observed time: 8:36:20
